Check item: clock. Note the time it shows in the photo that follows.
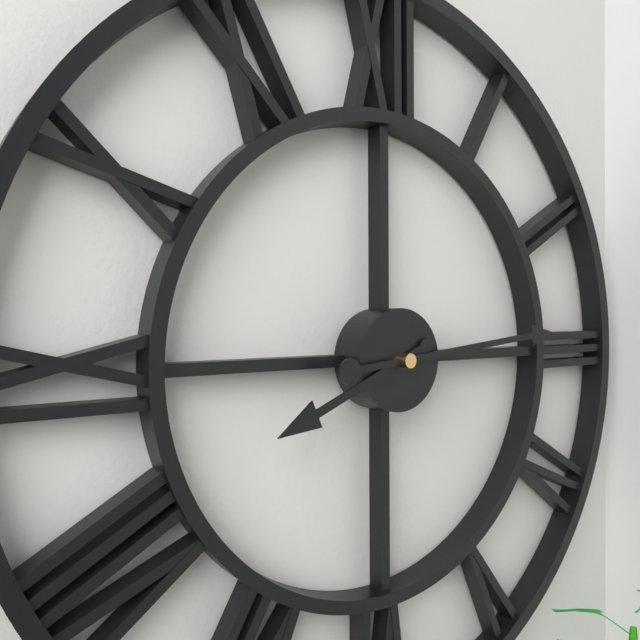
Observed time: 8:14
